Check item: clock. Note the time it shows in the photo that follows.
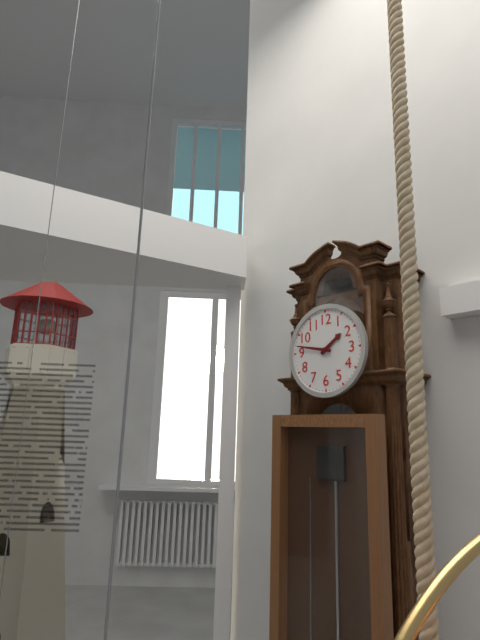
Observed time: 1:47
